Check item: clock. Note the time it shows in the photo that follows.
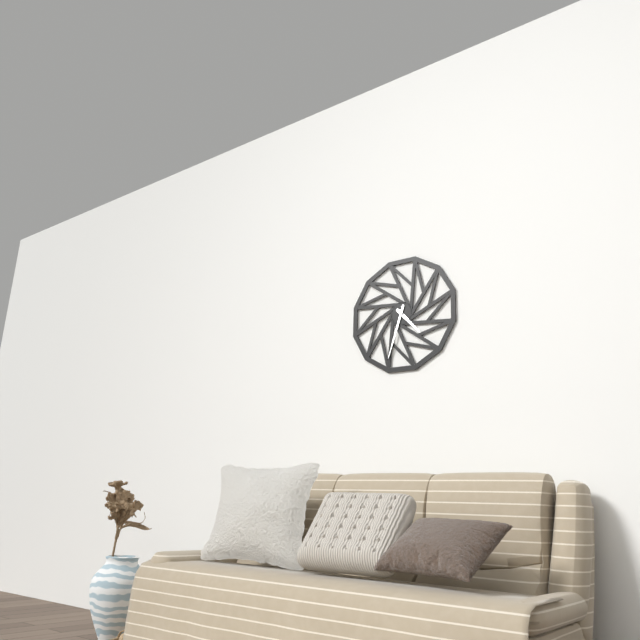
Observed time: 4:33
